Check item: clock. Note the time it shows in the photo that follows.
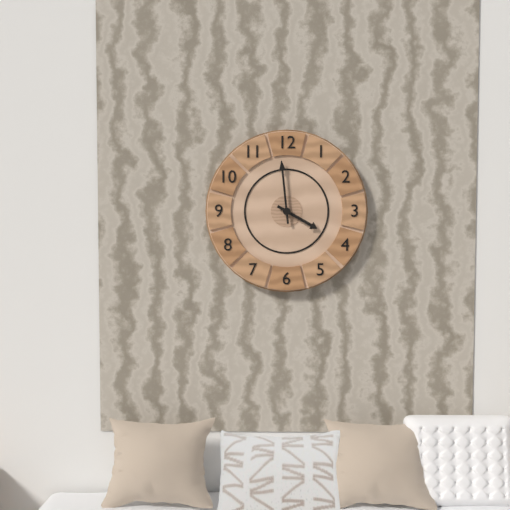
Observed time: 3:59
